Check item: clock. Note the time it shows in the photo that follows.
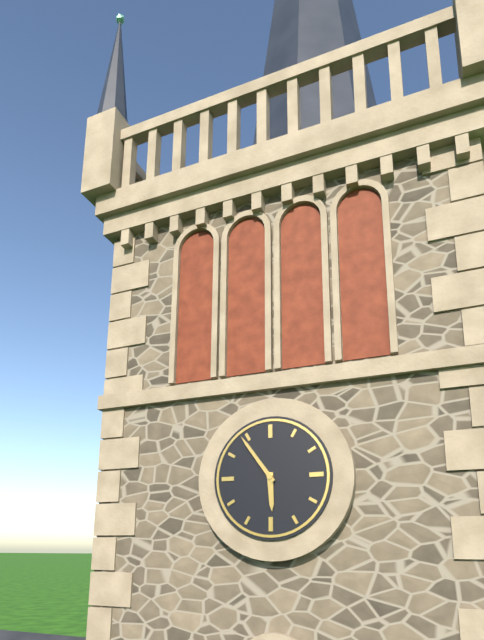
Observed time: 5:54
